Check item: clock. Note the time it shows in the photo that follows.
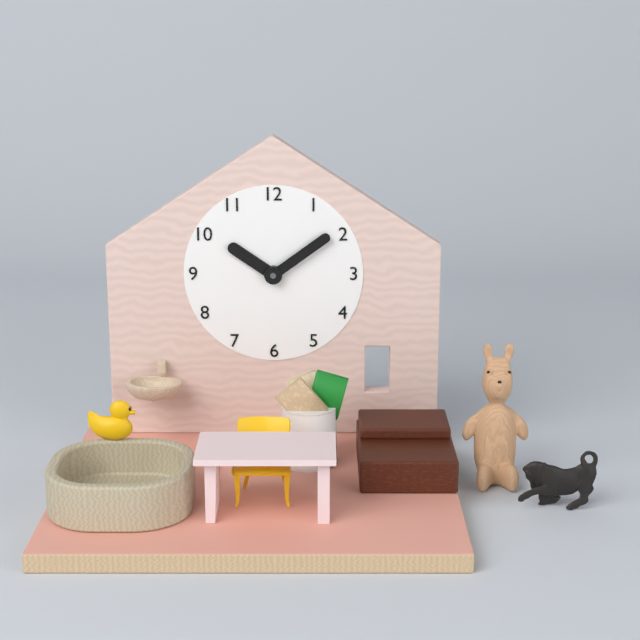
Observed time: 10:09
